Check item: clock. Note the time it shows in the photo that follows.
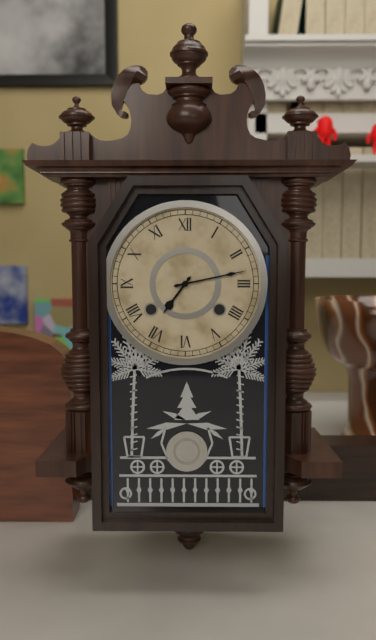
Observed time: 7:13
